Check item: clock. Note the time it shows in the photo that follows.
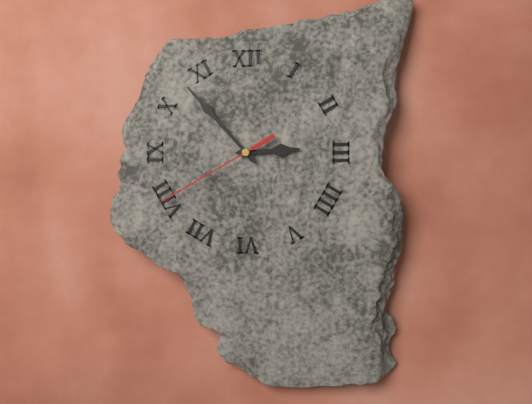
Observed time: 2:53:40
